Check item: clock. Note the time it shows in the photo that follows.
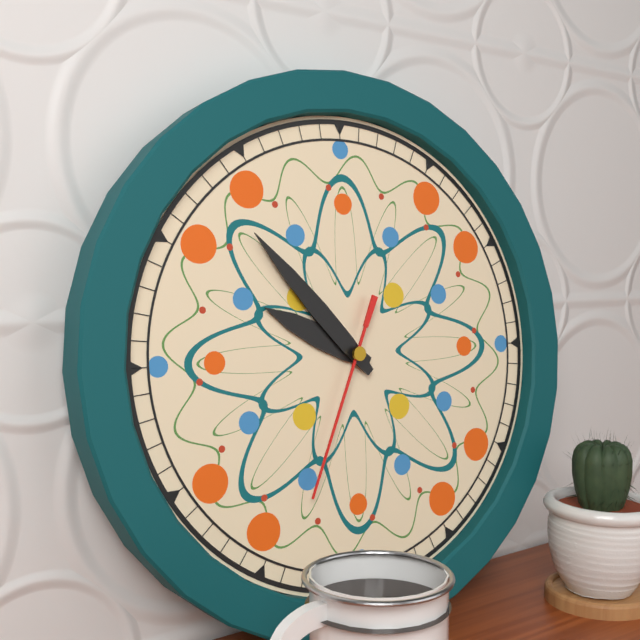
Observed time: 9:53:34
